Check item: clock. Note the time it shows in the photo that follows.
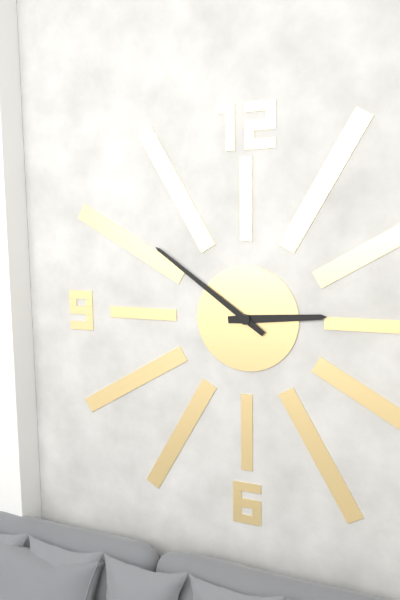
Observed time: 2:51
